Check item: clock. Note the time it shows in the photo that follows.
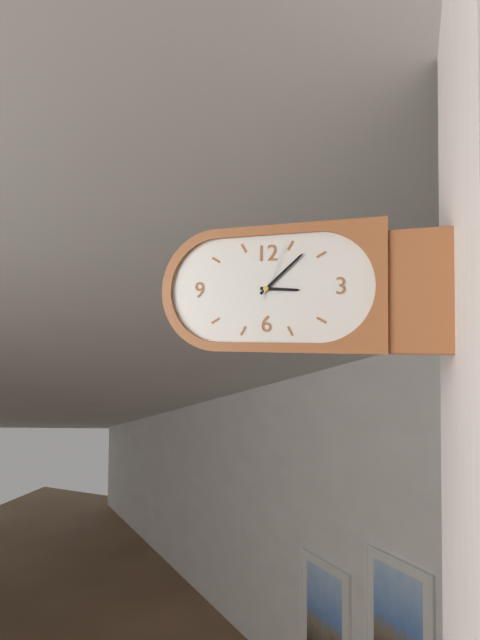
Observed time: 3:08:04
